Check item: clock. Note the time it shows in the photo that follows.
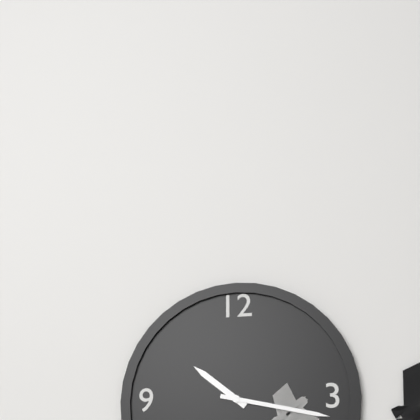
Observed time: 10:17
